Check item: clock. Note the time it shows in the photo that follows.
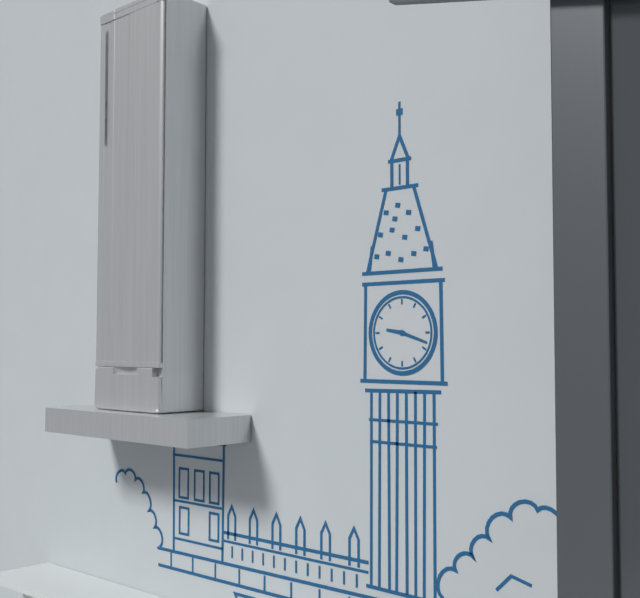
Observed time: 9:18
